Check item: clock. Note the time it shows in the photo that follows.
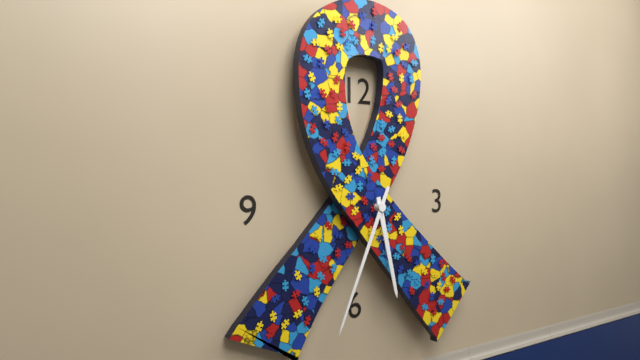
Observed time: 5:34
